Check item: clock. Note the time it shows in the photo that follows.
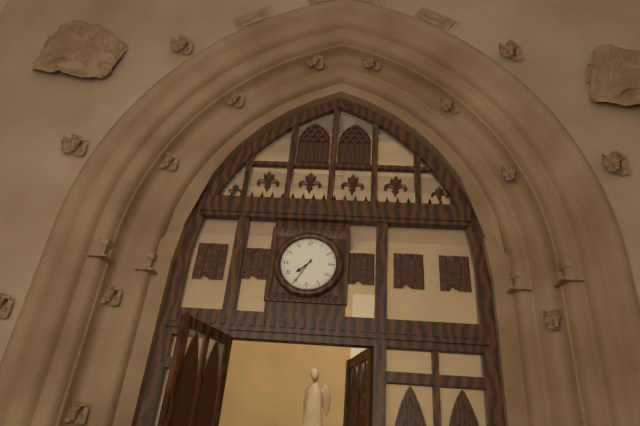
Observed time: 7:35
